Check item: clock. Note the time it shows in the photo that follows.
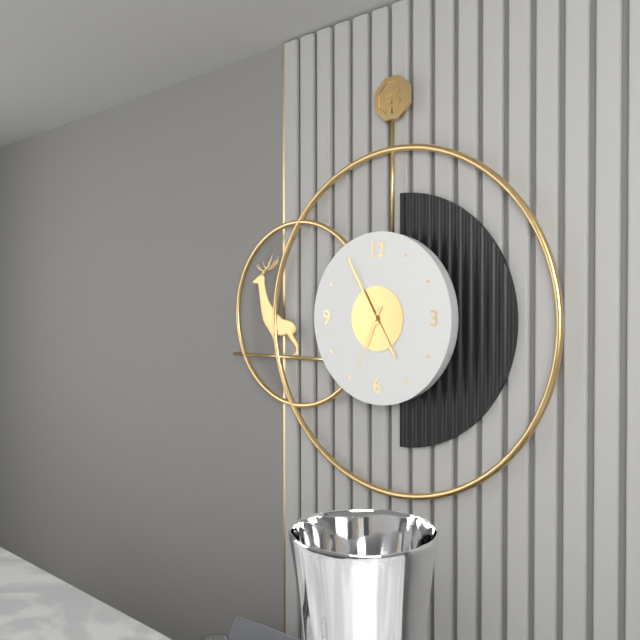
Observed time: 4:55:34
